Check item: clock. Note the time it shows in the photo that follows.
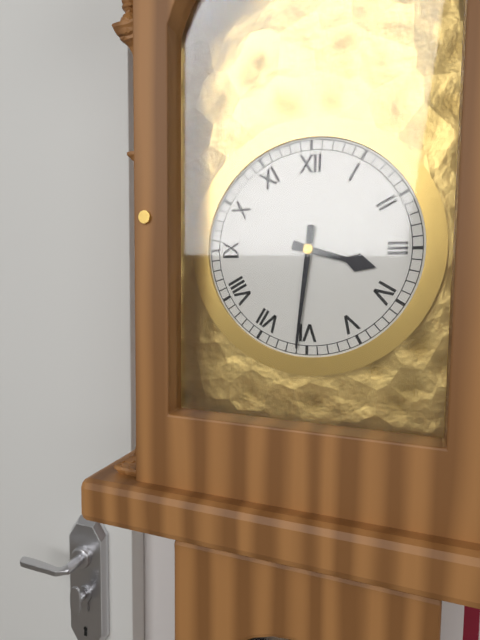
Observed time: 3:31
